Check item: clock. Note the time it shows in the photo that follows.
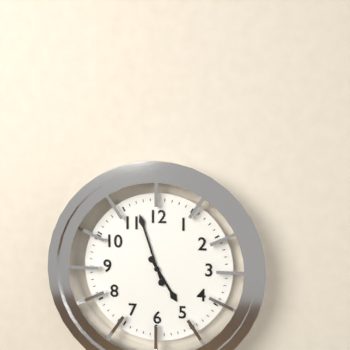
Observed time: 4:57
